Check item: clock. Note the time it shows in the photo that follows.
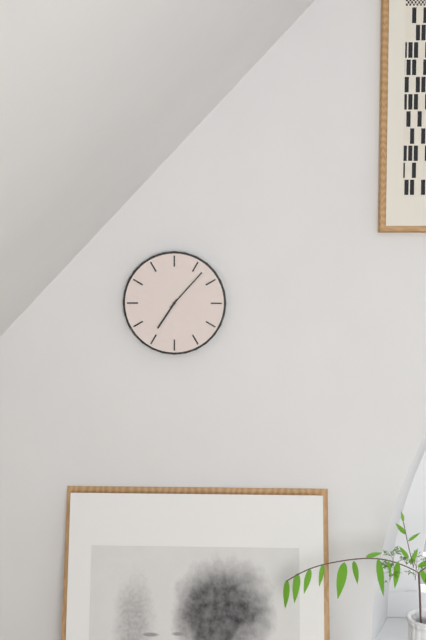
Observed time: 7:07
